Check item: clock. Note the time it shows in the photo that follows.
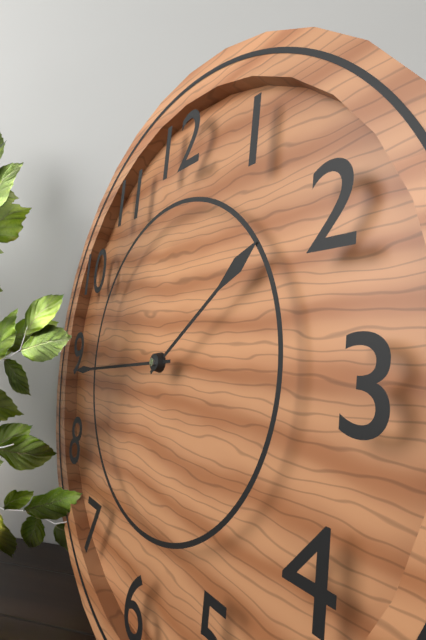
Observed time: 1:44
